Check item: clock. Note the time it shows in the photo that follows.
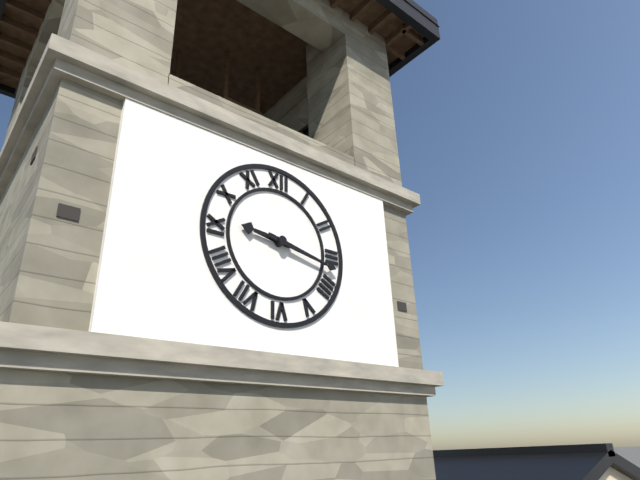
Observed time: 9:17
